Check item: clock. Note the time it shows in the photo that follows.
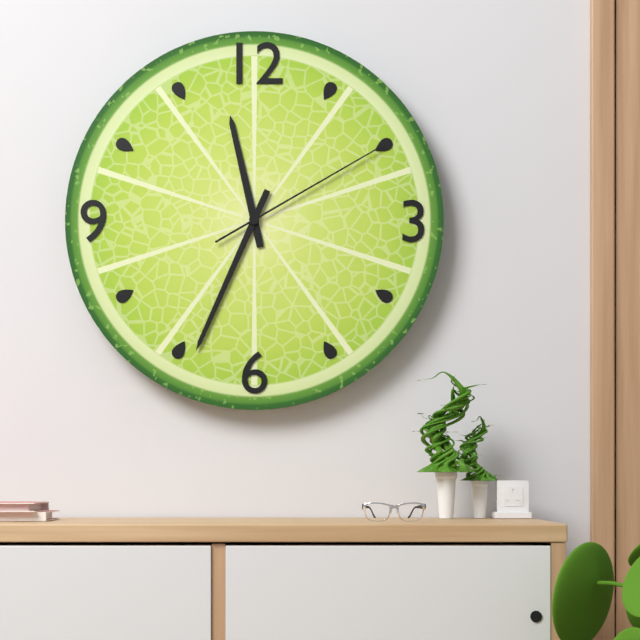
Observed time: 11:34:10
